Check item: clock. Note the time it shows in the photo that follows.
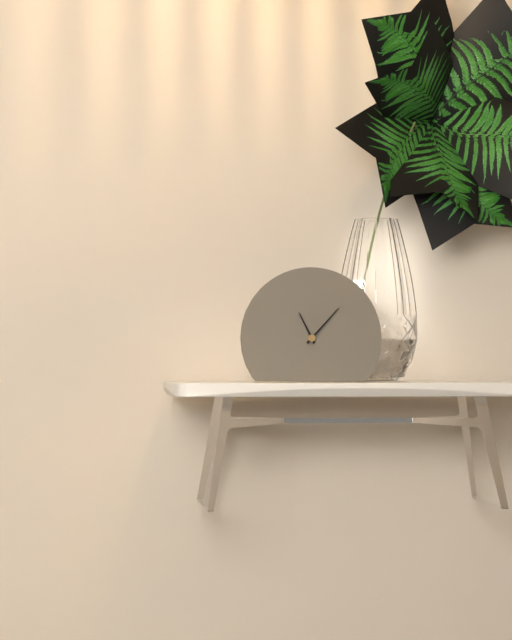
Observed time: 11:07
